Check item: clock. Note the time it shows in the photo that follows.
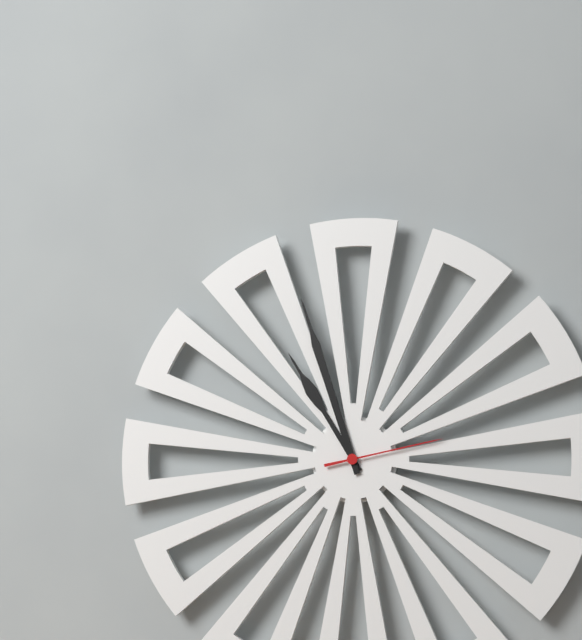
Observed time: 10:57:13
